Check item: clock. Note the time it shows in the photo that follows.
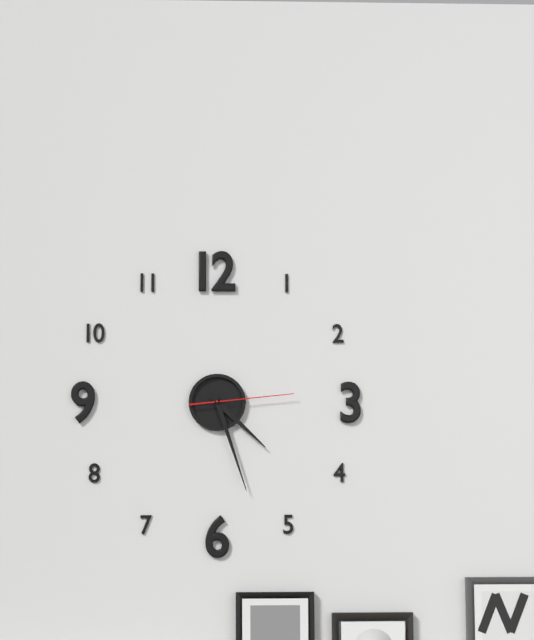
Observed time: 4:27:14
